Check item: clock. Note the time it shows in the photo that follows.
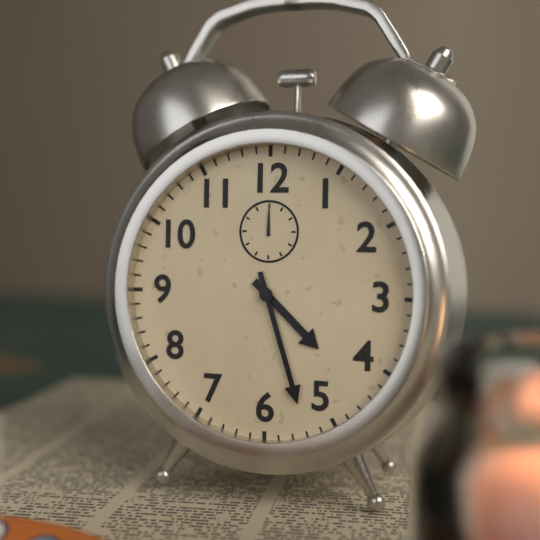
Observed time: 4:27
